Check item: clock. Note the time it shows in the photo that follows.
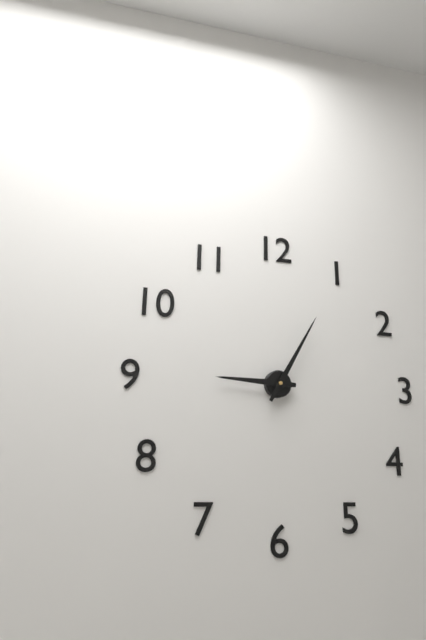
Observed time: 9:05
